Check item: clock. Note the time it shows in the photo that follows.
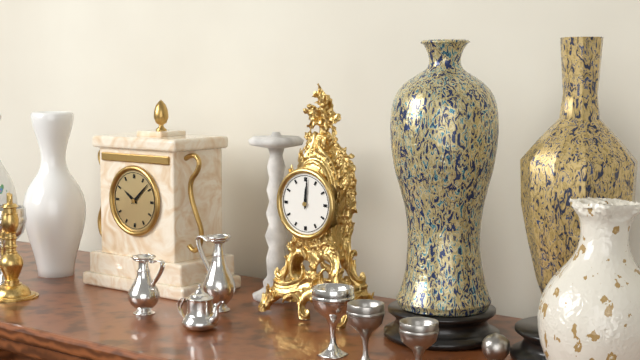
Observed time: 12:01
